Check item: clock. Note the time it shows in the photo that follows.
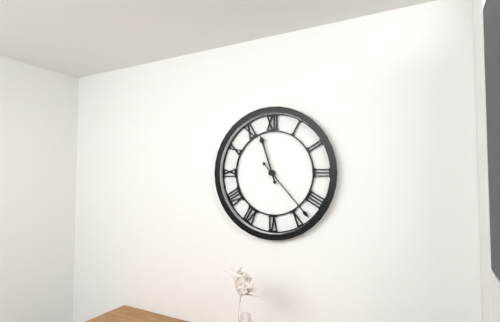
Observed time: 11:23
